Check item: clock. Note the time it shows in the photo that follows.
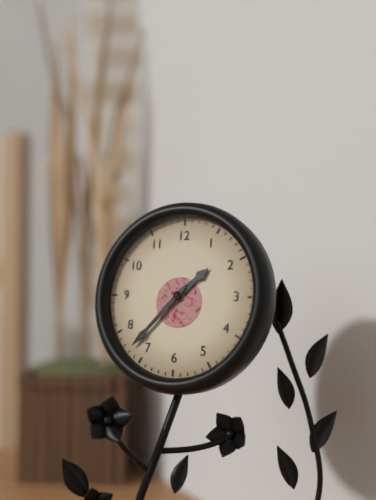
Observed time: 1:37
